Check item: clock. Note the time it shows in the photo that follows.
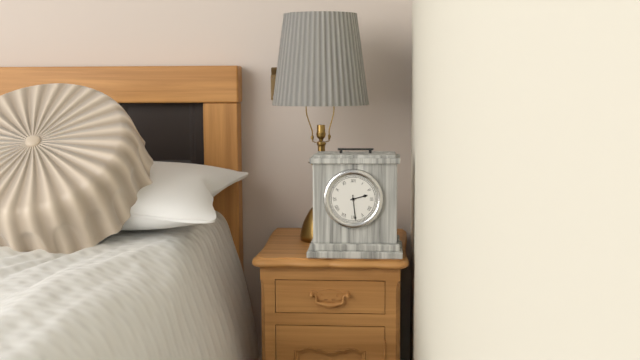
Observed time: 2:29
